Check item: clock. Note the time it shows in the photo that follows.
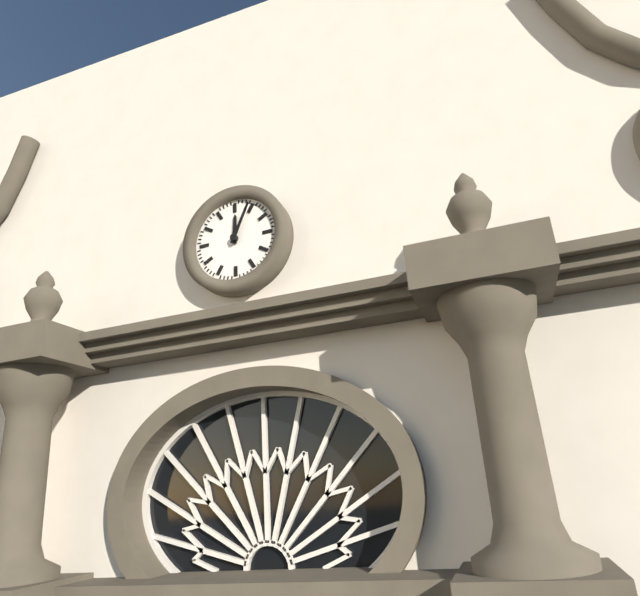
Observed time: 12:04
